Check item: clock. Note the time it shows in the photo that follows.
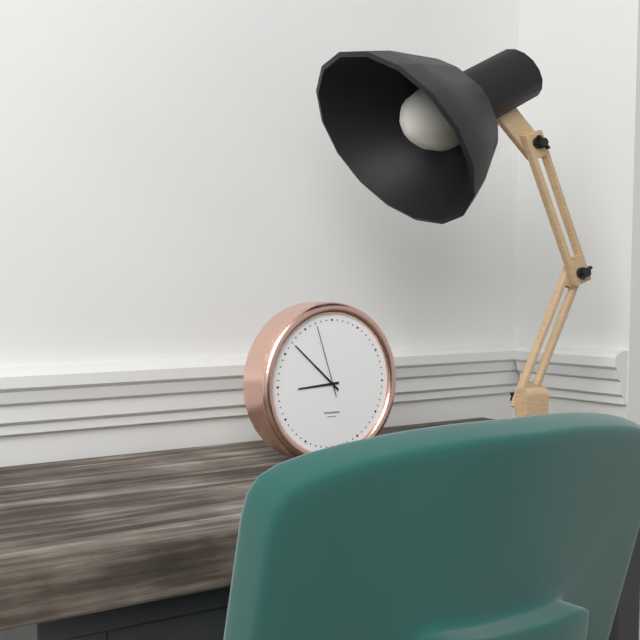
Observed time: 8:52:57
